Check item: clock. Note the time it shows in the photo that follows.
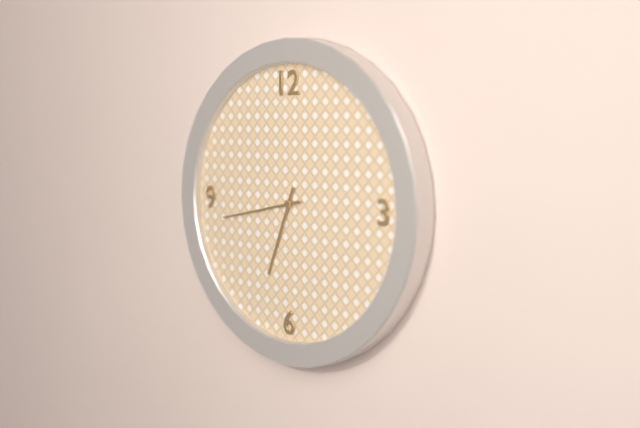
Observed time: 6:43
